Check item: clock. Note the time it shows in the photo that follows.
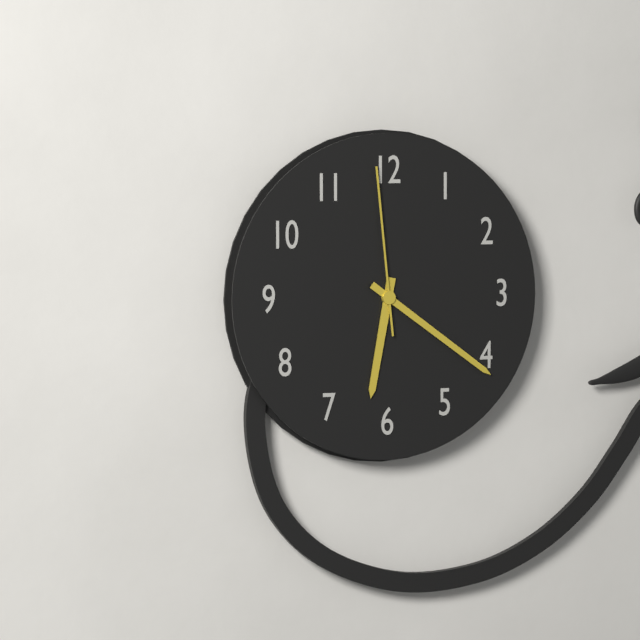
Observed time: 6:21:59
